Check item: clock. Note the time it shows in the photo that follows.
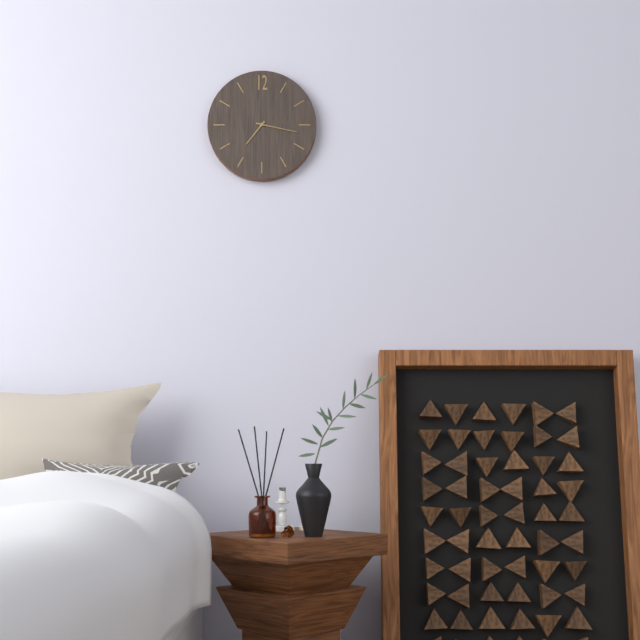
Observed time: 7:17
